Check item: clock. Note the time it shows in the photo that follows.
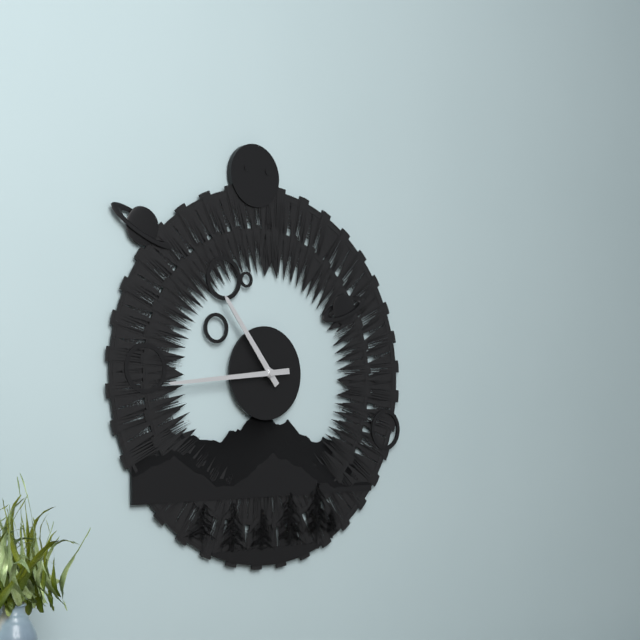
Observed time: 10:44
